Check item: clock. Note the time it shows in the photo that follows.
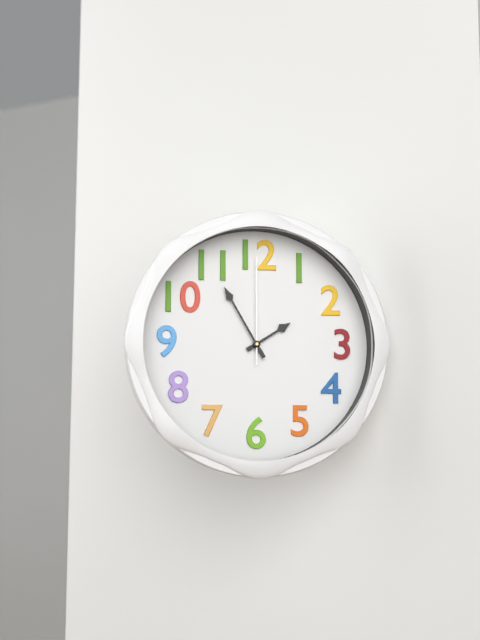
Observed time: 1:55:00
